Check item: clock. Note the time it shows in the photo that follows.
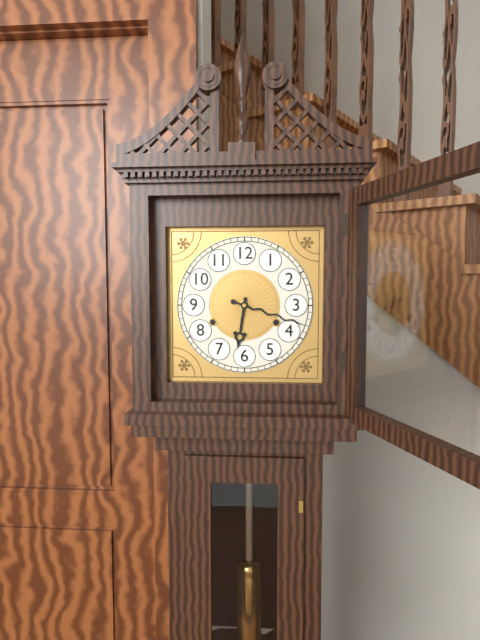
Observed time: 6:18
